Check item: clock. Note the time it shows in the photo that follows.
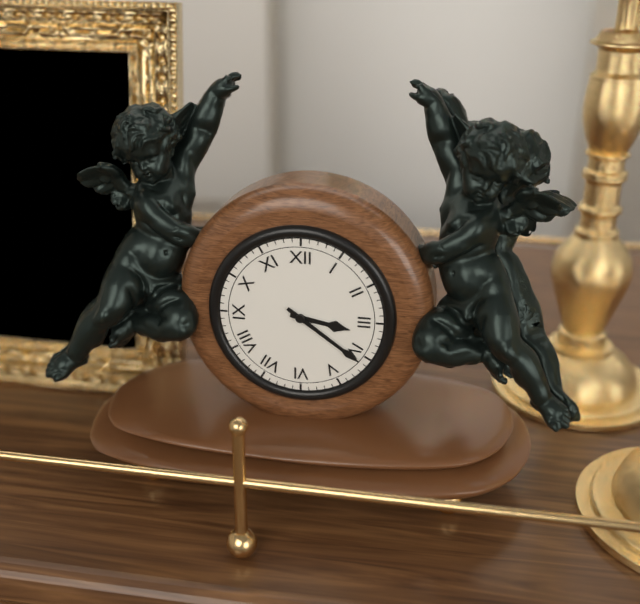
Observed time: 3:21
